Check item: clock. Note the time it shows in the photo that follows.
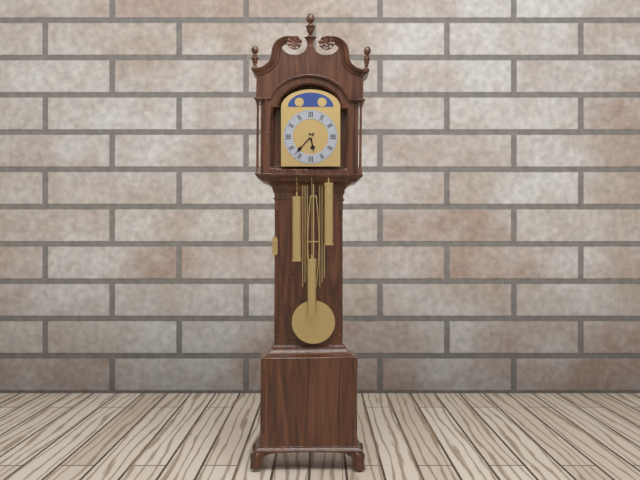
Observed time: 5:37
